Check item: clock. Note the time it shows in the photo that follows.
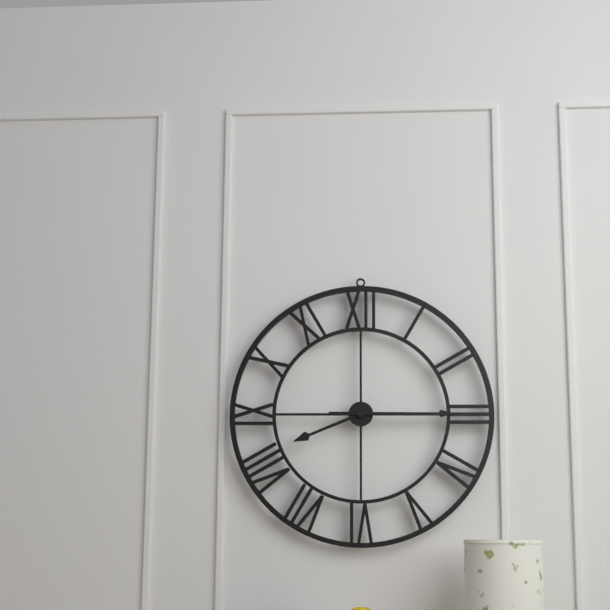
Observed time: 8:15
